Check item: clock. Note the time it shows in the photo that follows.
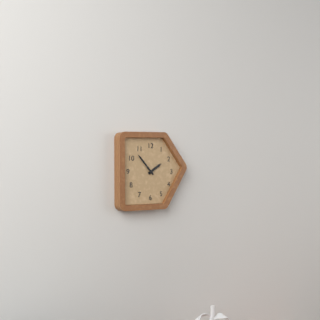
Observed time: 1:53
